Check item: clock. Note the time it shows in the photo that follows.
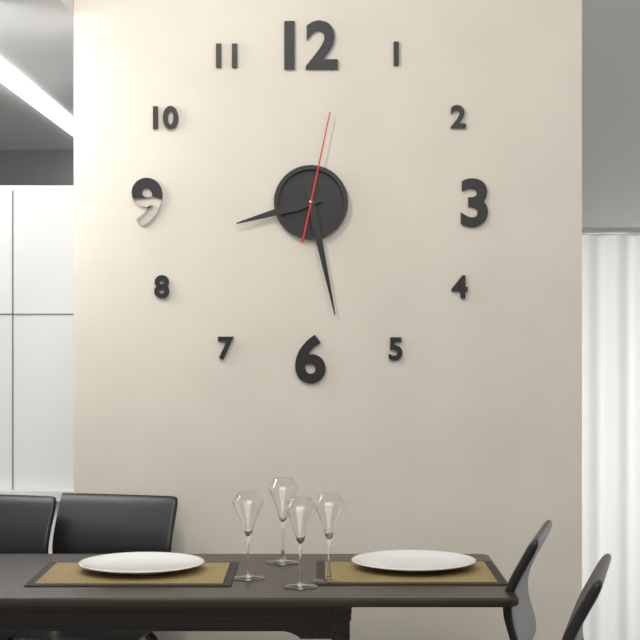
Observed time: 8:28:02
